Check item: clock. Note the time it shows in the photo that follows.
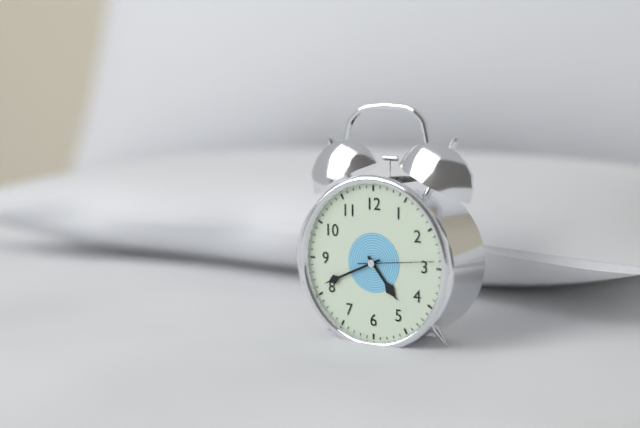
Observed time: 4:41:14
